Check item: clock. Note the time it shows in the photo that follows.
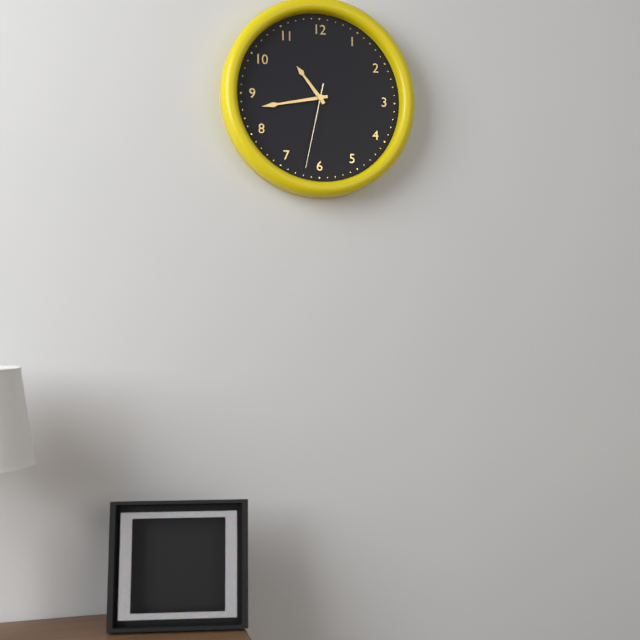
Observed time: 10:43:32
